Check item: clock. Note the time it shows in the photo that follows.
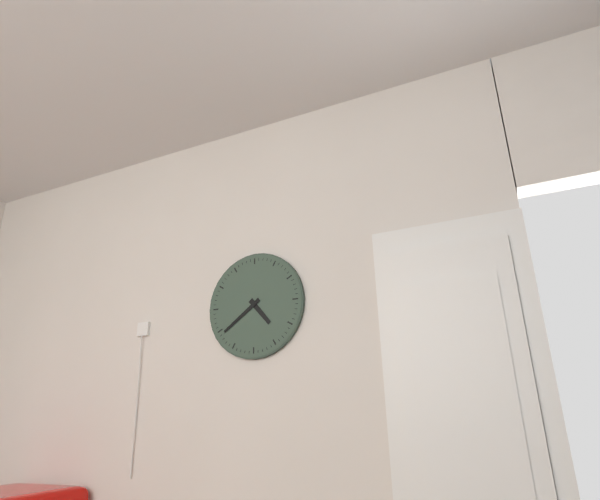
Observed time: 4:39
